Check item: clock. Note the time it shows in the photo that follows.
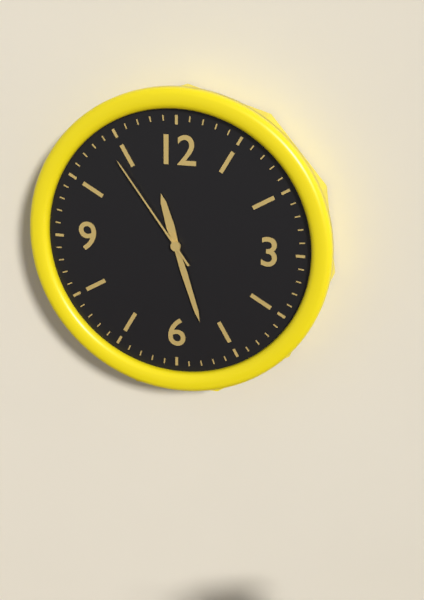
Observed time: 11:27:54
